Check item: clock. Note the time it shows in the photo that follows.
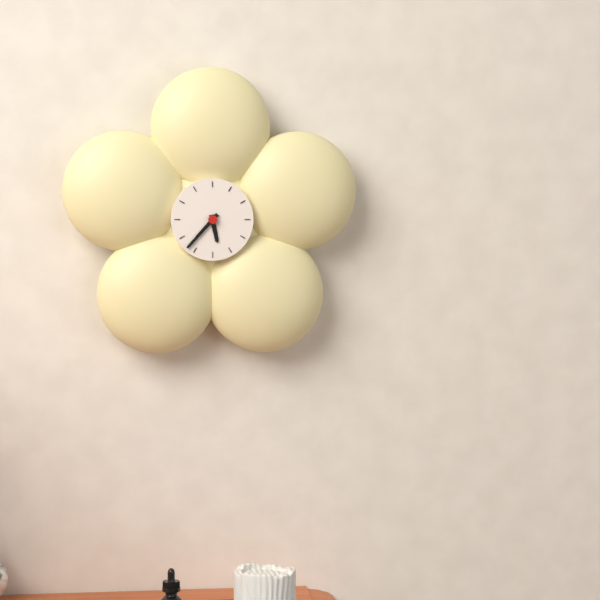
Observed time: 5:37
